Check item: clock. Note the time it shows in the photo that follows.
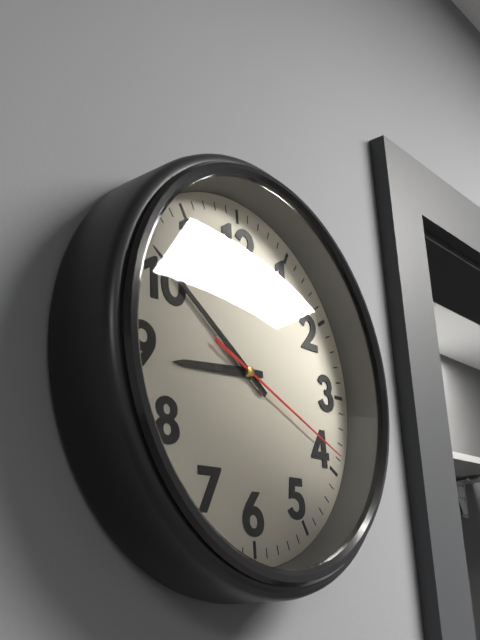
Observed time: 8:51:19
